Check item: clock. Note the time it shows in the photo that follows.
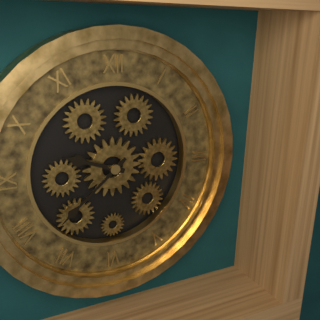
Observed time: 9:38
